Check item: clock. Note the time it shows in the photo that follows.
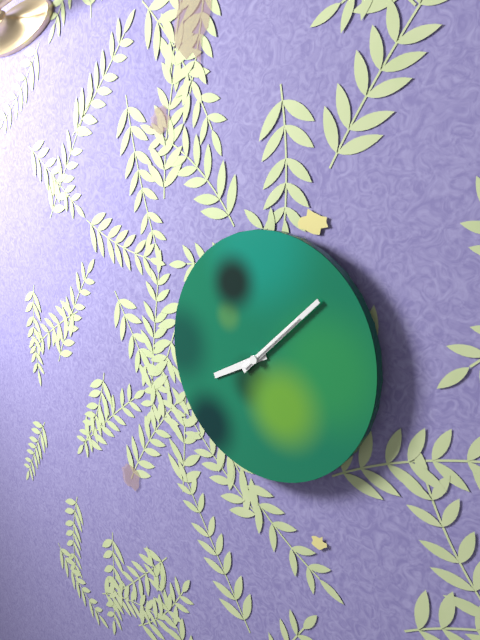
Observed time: 8:08:08
